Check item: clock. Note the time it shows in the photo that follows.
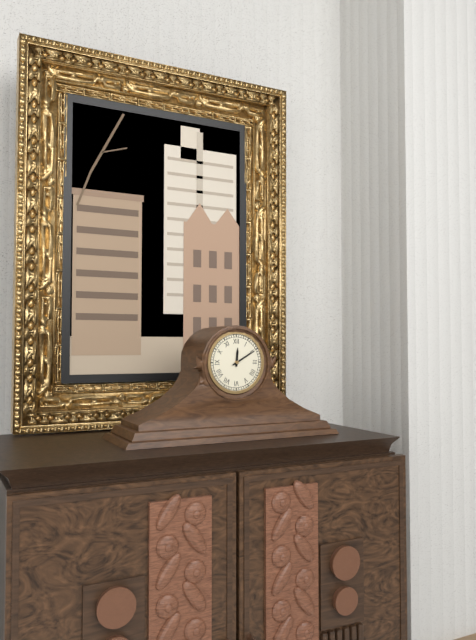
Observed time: 12:10
